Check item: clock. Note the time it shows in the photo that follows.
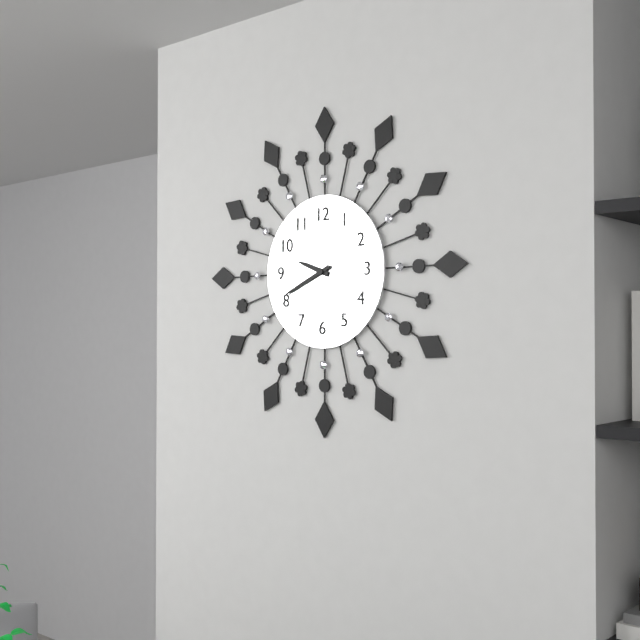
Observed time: 9:41
